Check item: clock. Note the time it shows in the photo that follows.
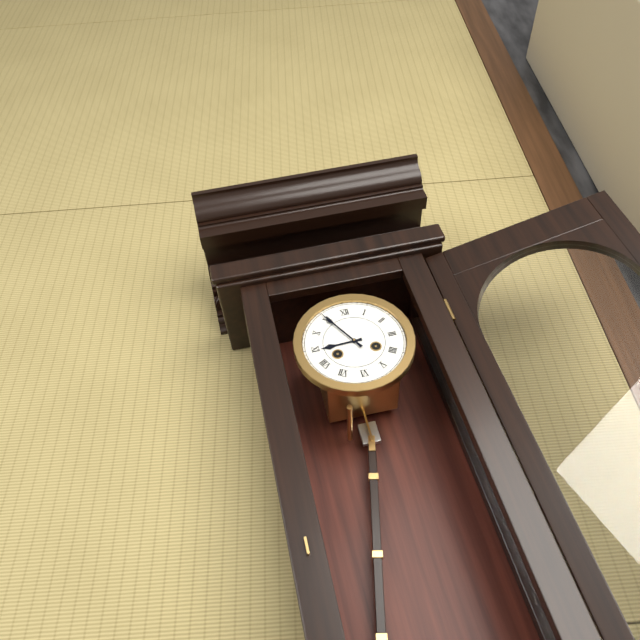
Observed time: 8:55
